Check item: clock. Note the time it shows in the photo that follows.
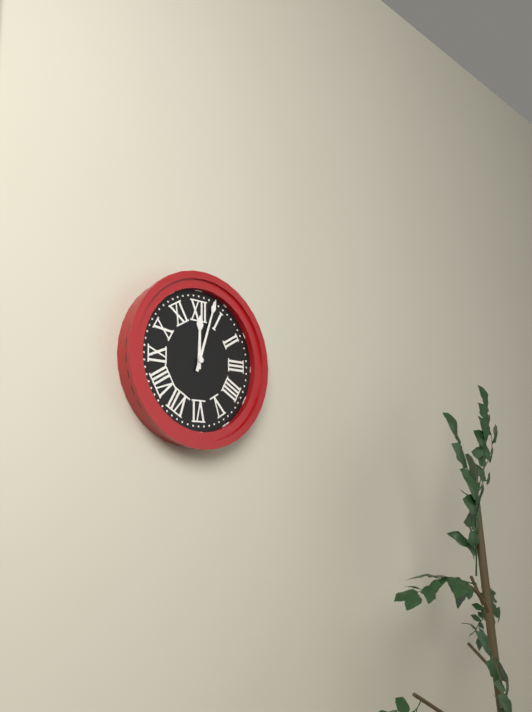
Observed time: 12:03
